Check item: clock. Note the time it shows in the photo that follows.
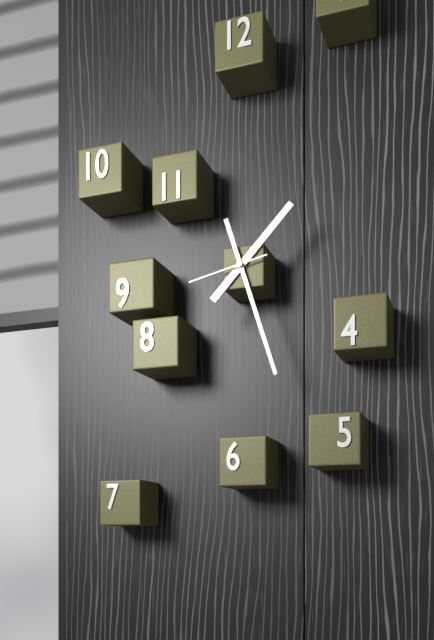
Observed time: 1:27:43
